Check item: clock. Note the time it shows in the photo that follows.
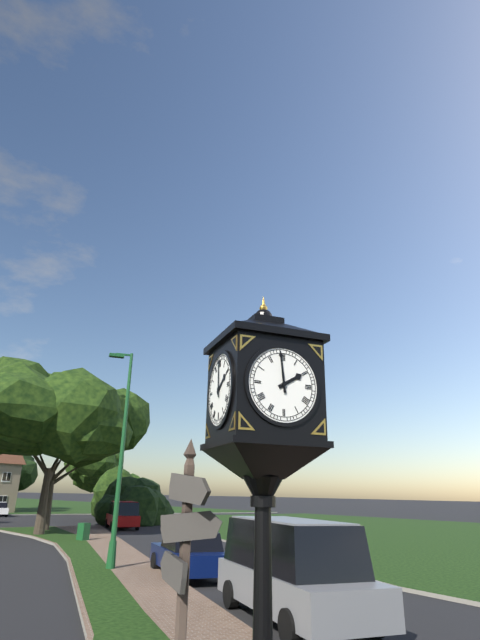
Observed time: 1:59
